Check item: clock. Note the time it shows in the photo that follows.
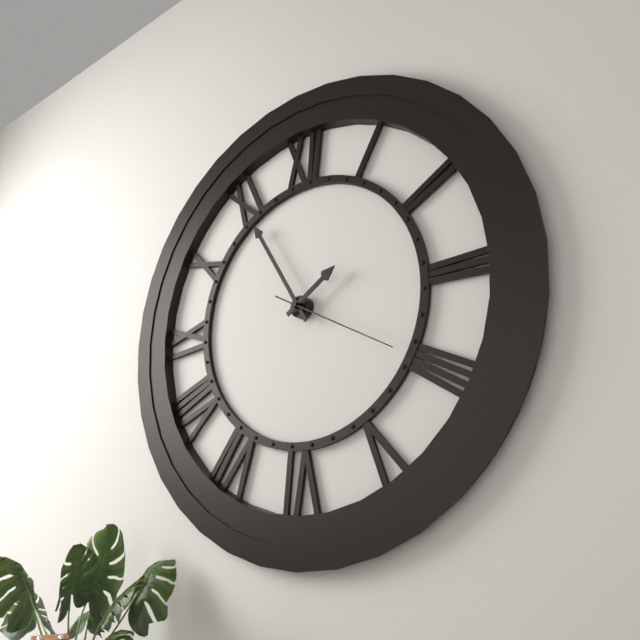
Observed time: 1:55:20
